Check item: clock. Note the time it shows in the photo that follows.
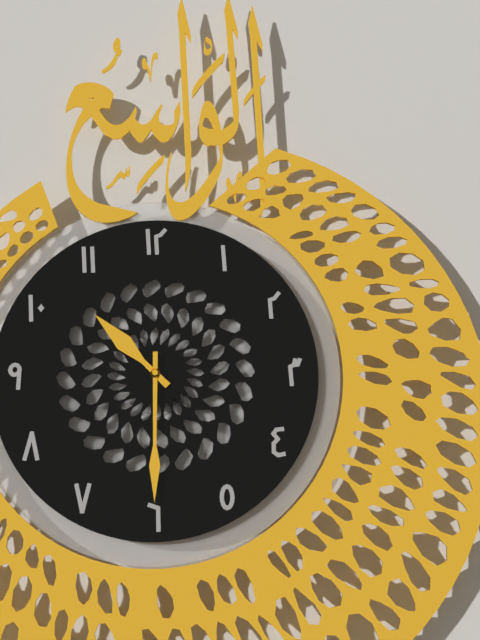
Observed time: 10:30
